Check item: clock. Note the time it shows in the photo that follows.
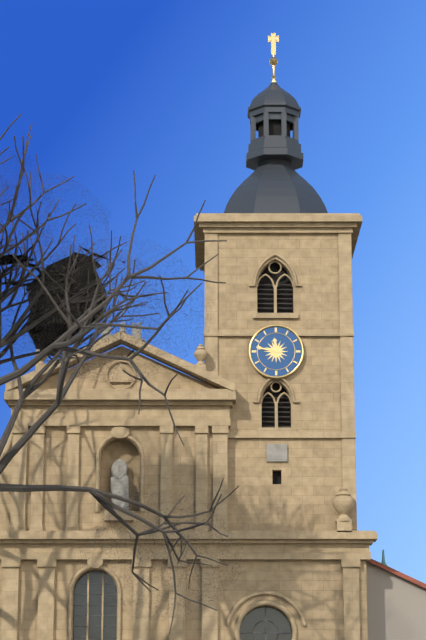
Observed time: 11:47
